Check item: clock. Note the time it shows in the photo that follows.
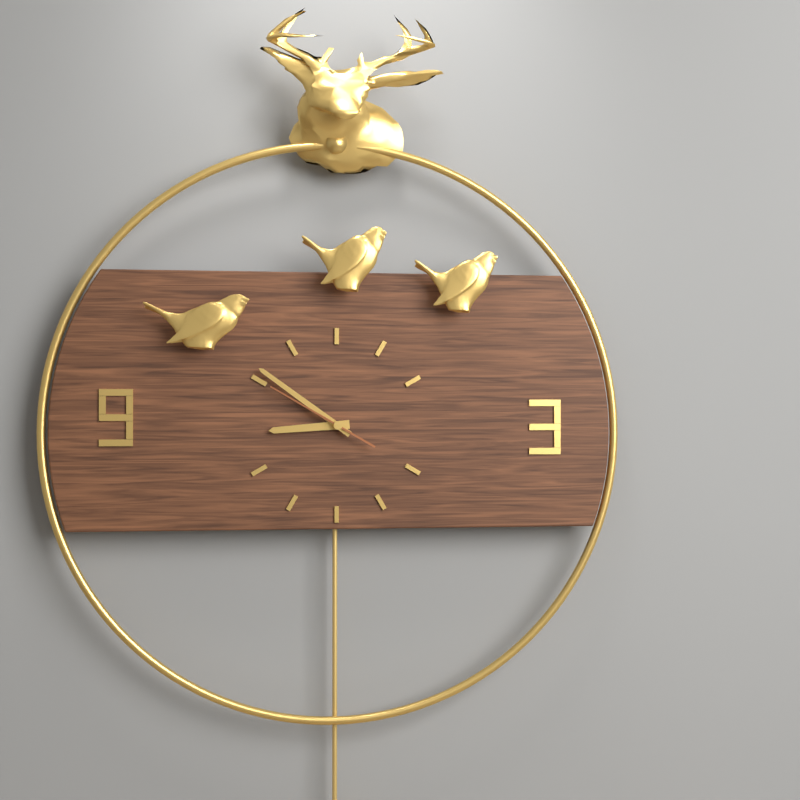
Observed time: 8:51:50
